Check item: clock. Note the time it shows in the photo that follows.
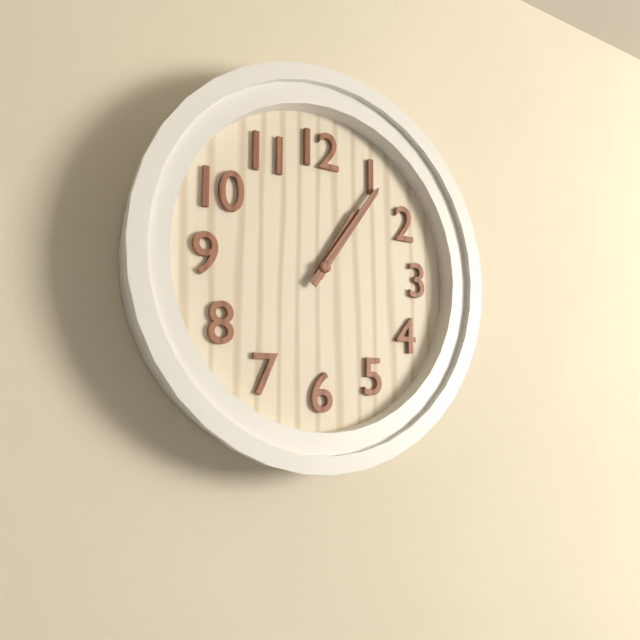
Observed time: 1:06
